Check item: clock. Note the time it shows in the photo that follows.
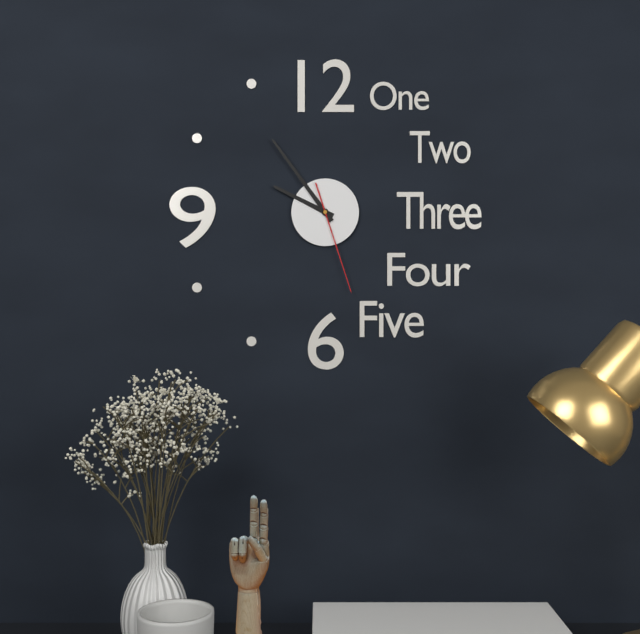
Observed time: 9:54:27
